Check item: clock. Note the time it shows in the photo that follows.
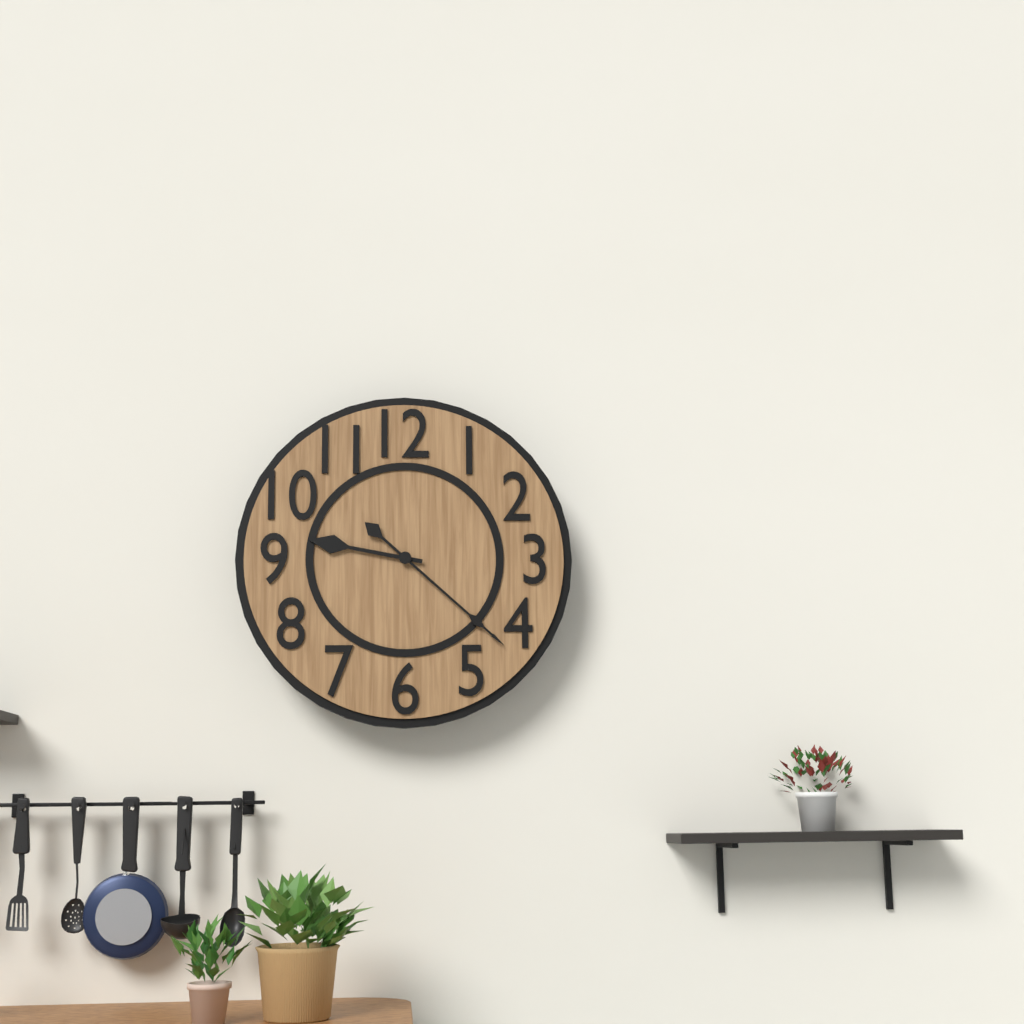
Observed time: 9:22
